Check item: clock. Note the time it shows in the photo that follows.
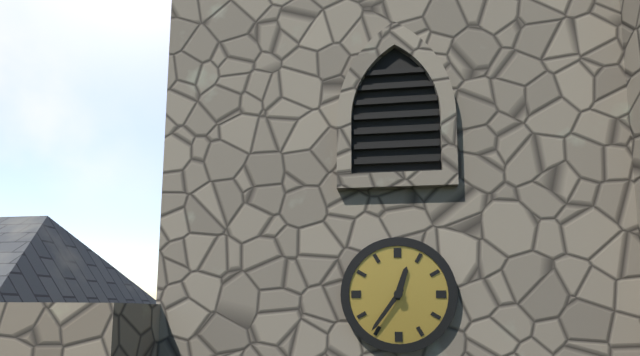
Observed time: 12:36
